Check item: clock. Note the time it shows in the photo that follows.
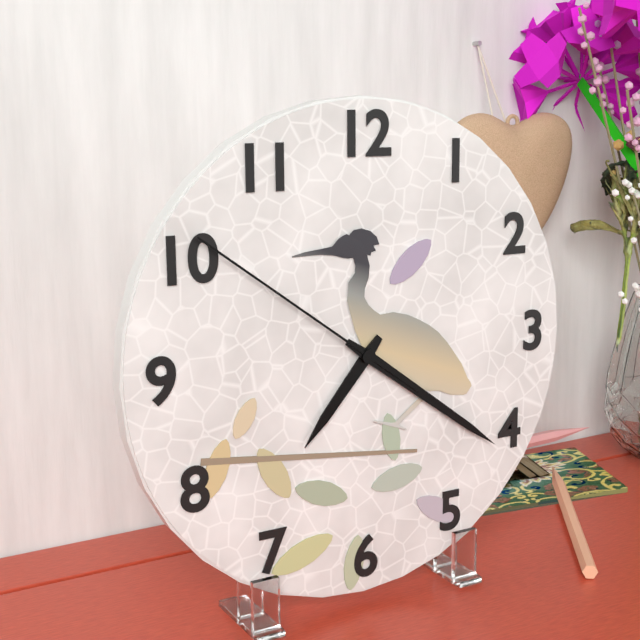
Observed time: 7:21:51
